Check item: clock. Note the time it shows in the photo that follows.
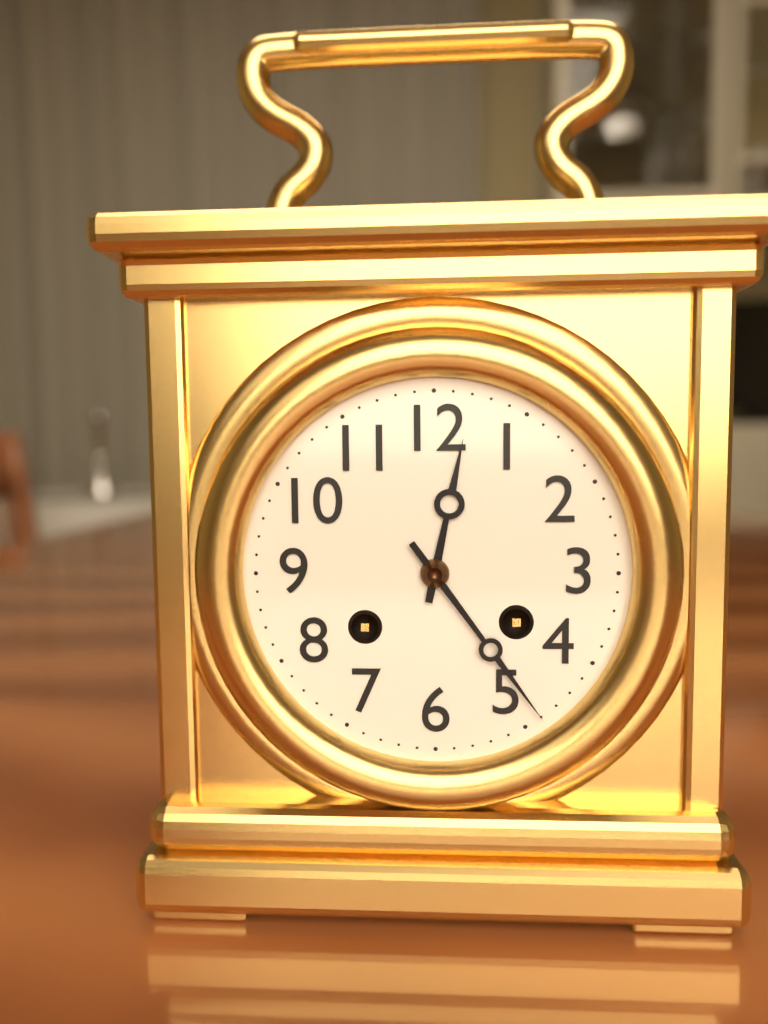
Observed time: 12:24
